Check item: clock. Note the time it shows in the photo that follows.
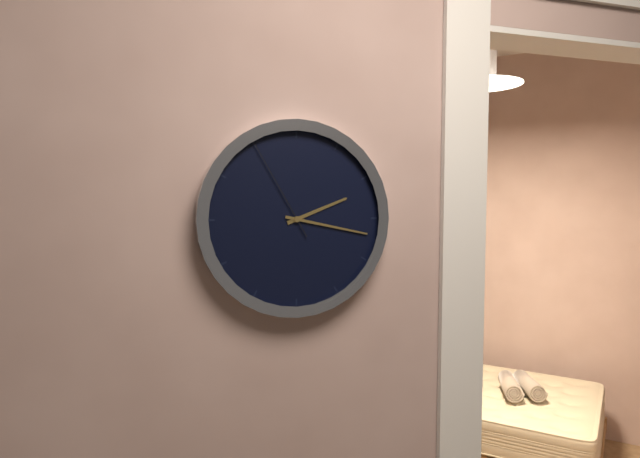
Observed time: 2:17:55
